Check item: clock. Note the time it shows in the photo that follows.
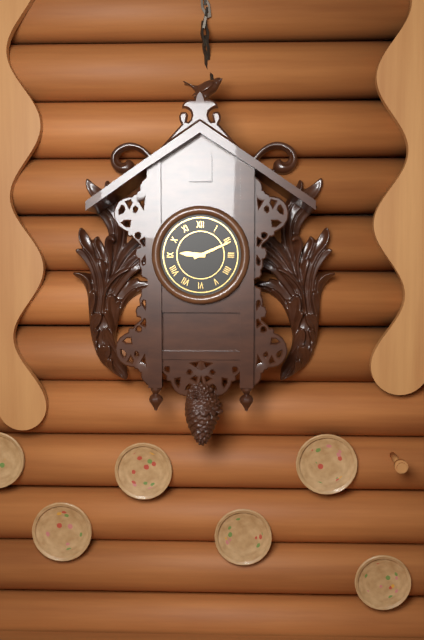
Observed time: 9:11
